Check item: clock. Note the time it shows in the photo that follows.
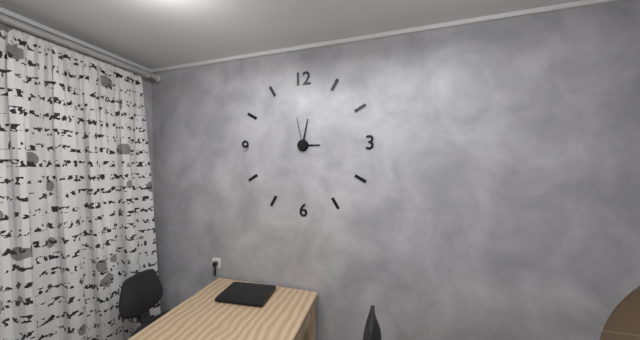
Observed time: 3:02
